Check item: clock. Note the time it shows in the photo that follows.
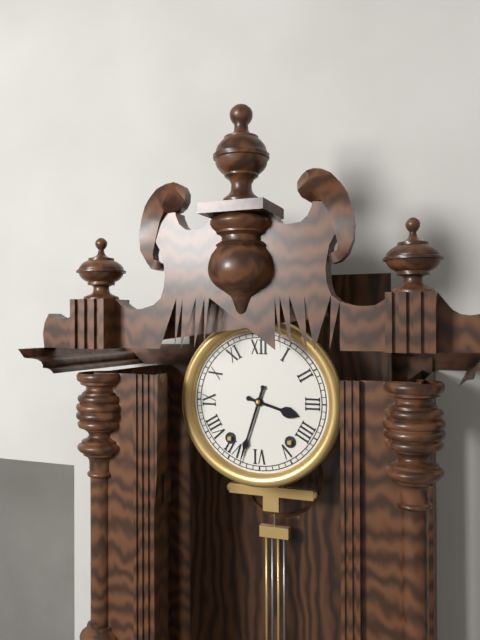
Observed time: 3:33
